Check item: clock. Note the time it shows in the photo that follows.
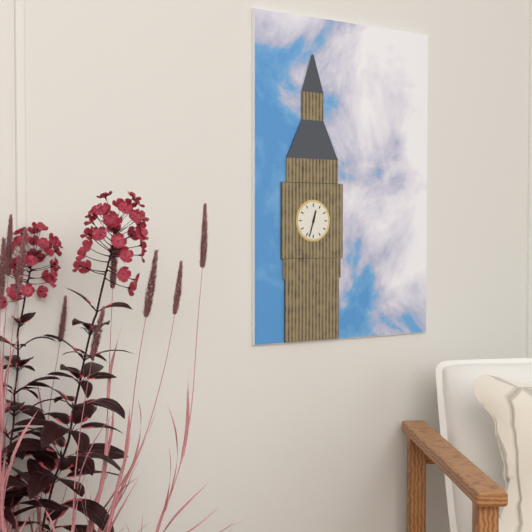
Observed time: 12:33
